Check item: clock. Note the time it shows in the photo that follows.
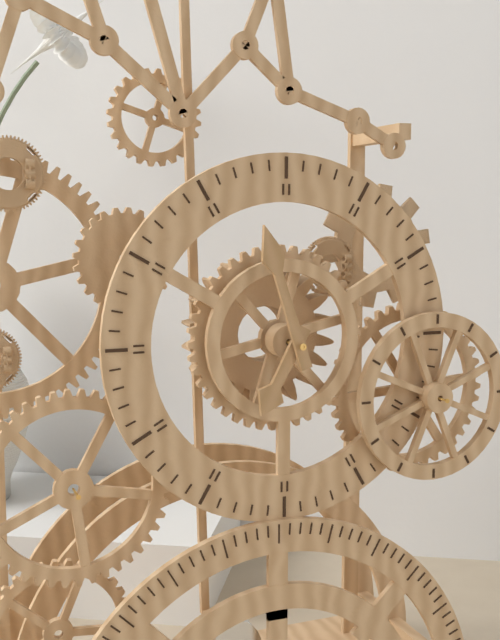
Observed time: 6:57
